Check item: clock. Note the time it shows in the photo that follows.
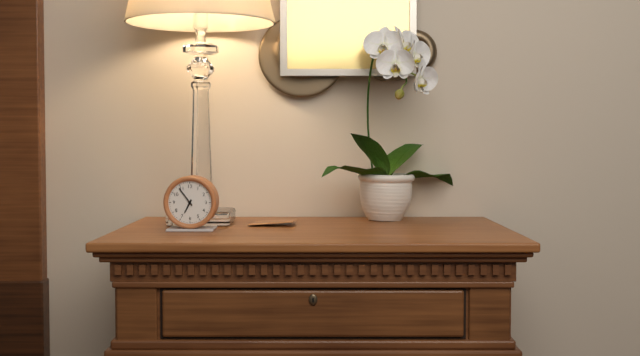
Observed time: 6:54
